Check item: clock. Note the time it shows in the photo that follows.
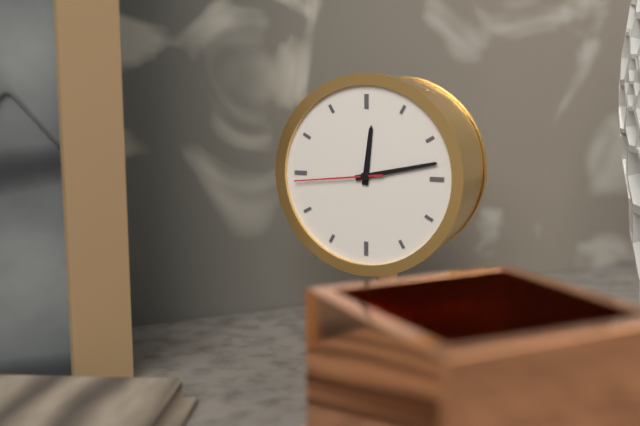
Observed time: 12:13:44
